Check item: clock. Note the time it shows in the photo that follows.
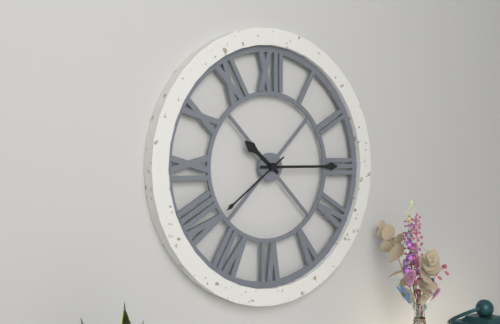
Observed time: 10:15:39
